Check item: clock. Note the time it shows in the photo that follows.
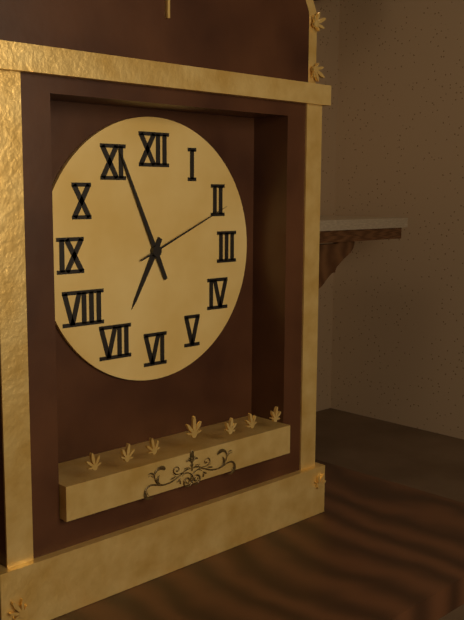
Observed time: 6:56:11
